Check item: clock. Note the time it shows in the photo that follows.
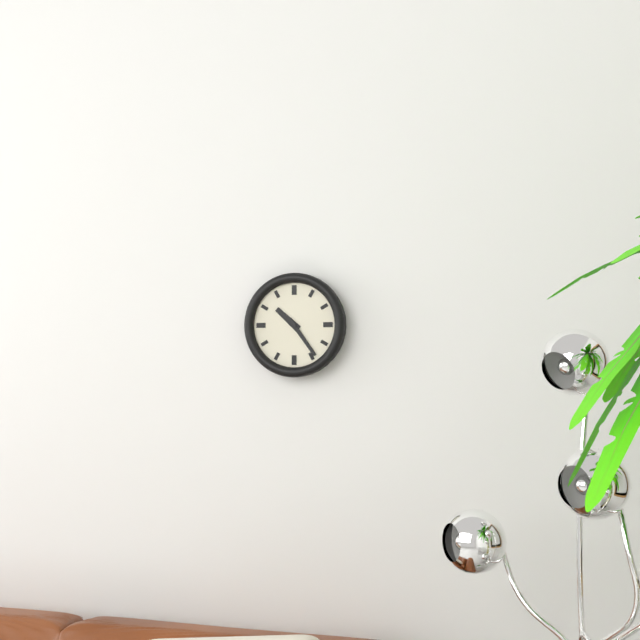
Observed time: 10:24
